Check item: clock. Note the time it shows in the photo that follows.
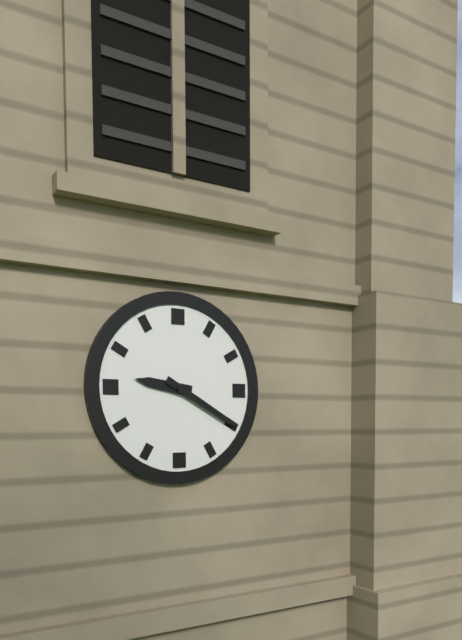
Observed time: 9:20
